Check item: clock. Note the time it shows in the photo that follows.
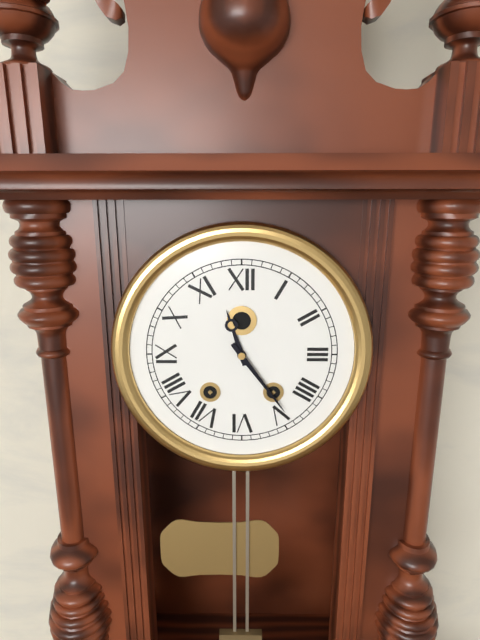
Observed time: 11:24
